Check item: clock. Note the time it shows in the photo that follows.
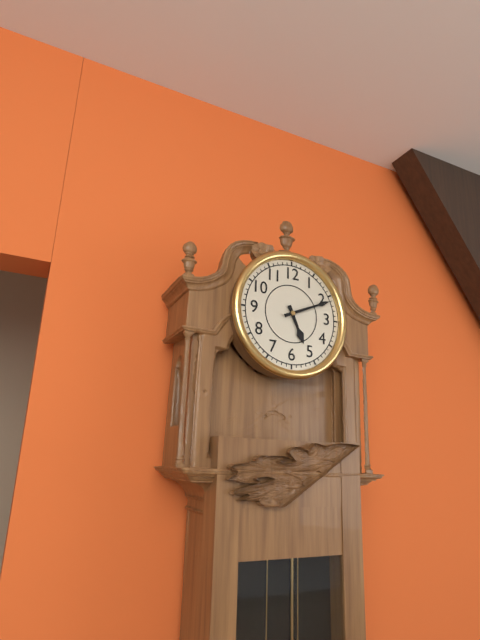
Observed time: 5:11
